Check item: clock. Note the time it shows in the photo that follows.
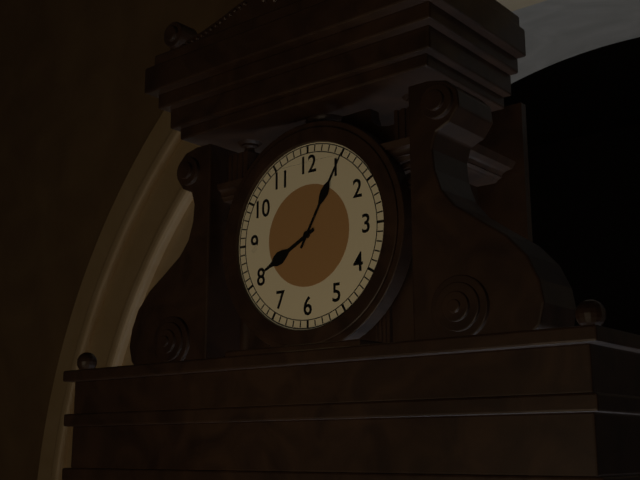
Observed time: 8:05
